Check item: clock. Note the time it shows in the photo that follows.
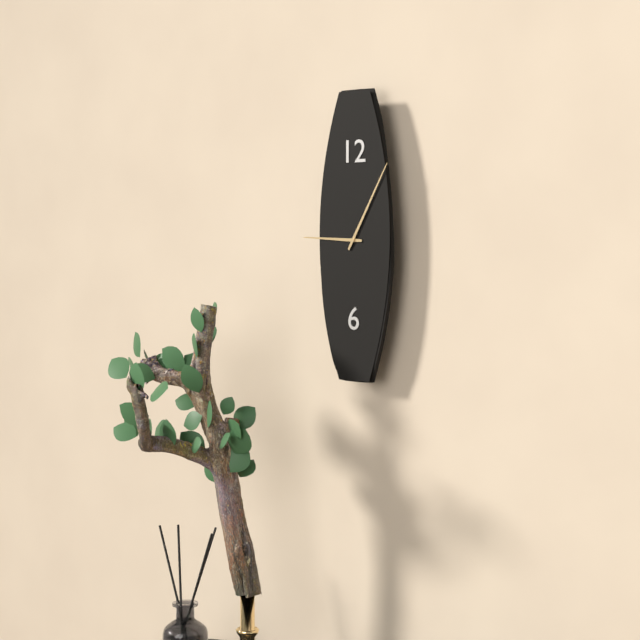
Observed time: 9:05
